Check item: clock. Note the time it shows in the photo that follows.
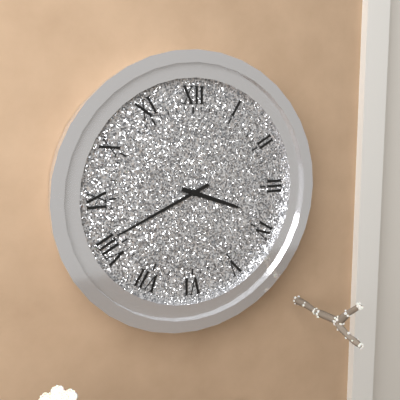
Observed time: 3:41
